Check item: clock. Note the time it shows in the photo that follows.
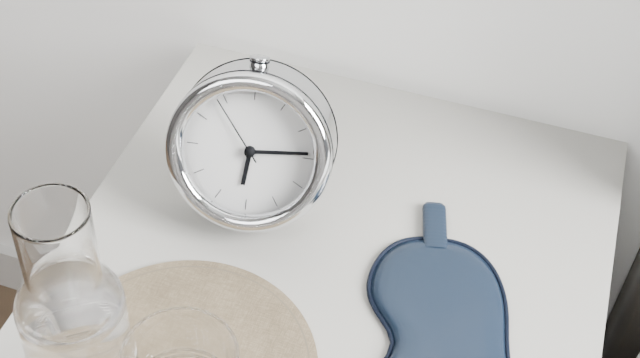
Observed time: 6:14:54
